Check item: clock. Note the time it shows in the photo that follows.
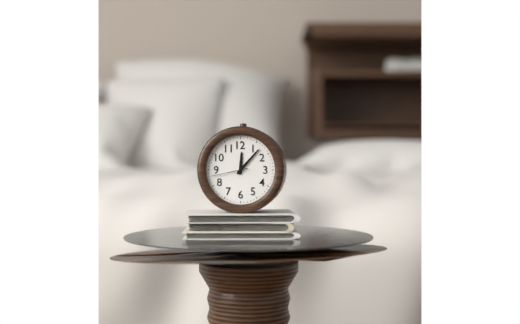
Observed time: 12:07
